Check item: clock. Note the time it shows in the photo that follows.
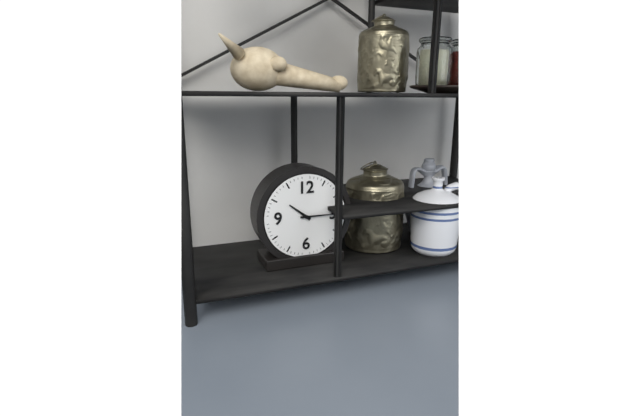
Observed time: 10:15
